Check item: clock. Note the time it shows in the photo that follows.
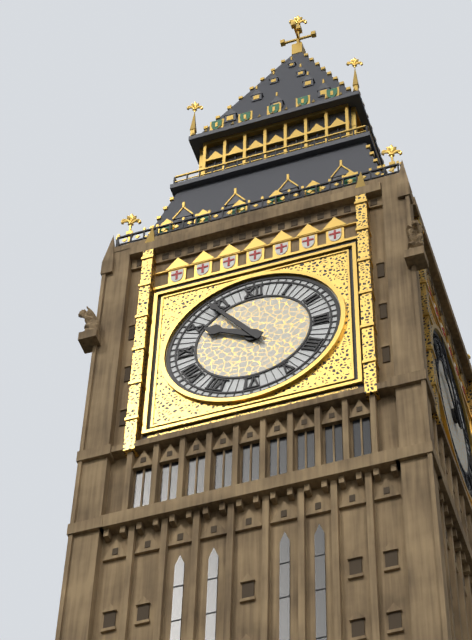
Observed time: 9:54
